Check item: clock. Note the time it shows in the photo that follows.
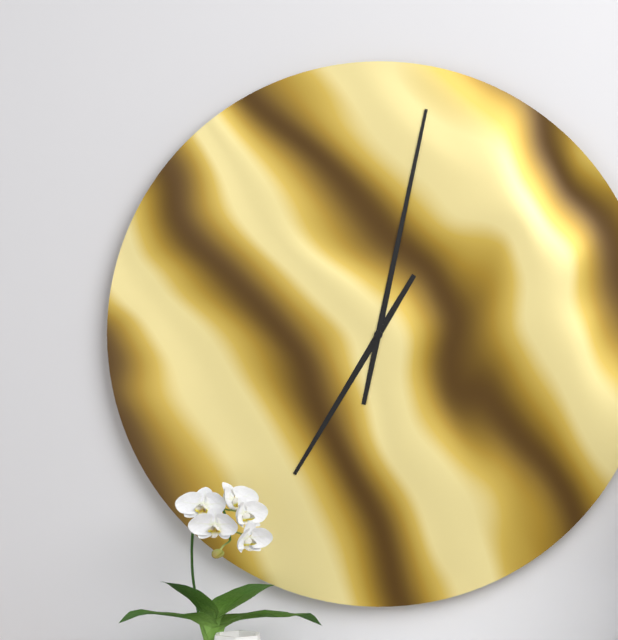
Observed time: 7:02
